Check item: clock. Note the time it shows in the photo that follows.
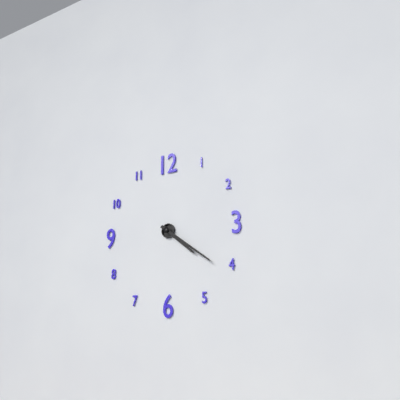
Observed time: 4:21
